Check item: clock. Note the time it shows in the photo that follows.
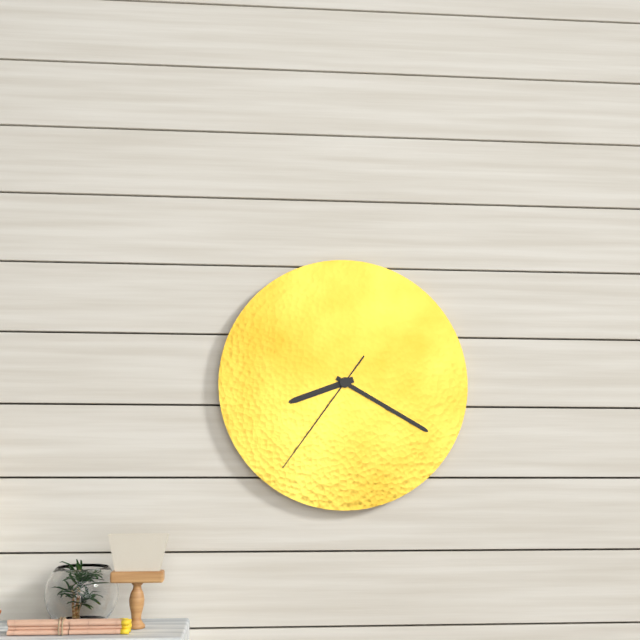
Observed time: 8:20:36
